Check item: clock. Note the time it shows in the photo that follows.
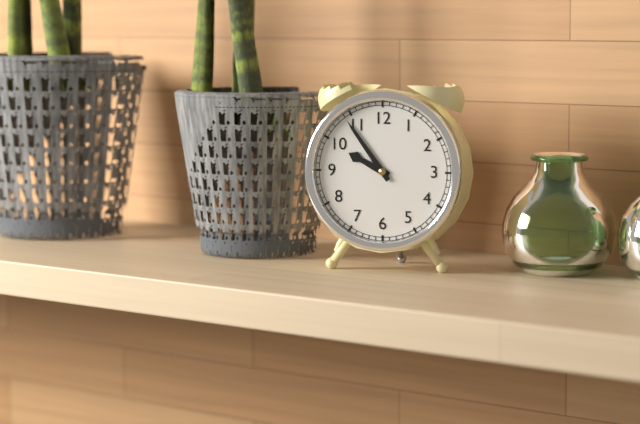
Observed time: 9:54
